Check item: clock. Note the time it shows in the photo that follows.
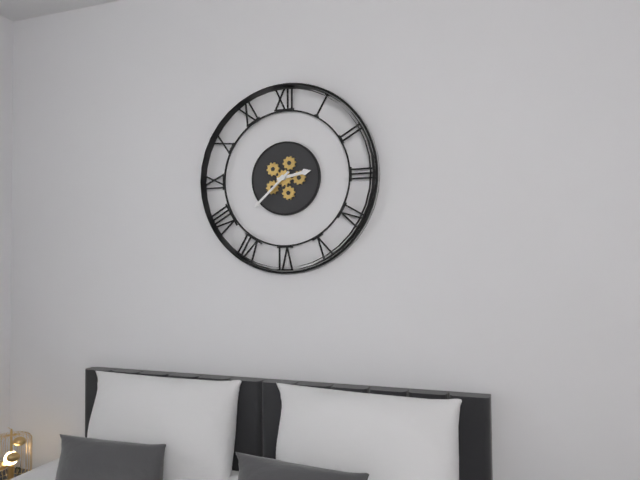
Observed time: 2:38
